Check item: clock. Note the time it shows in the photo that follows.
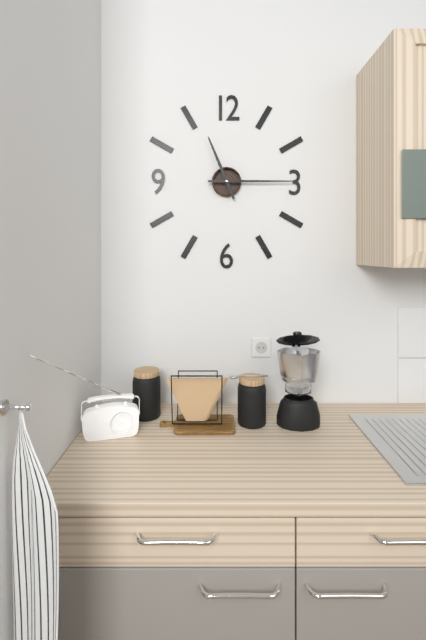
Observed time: 11:15
